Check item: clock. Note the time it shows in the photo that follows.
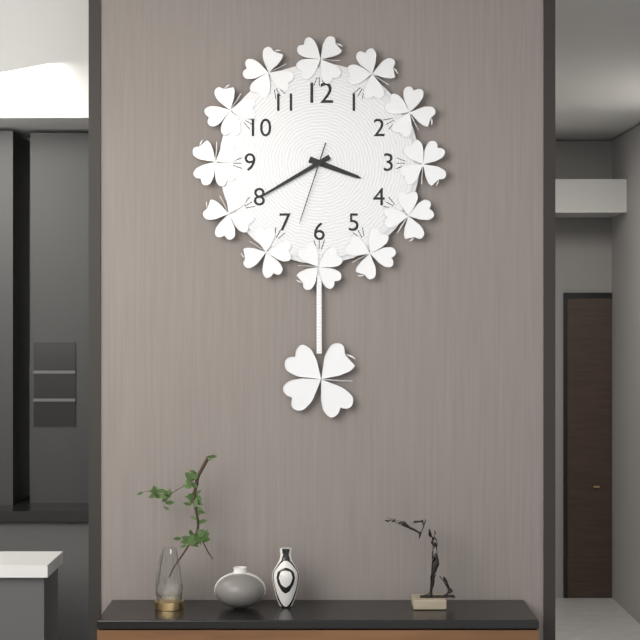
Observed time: 3:40:33
